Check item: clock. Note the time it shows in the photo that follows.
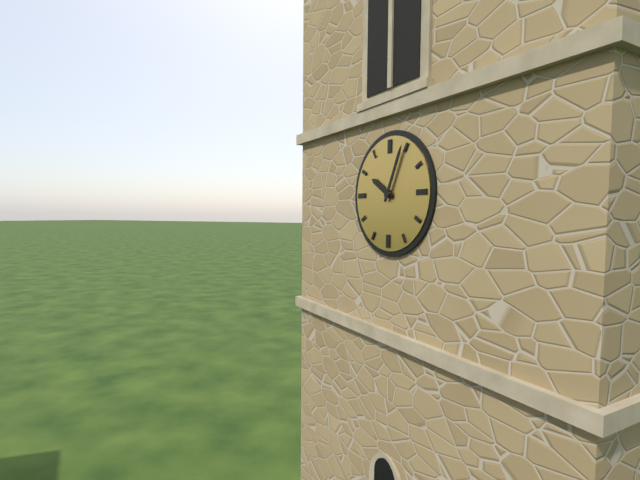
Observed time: 10:04
